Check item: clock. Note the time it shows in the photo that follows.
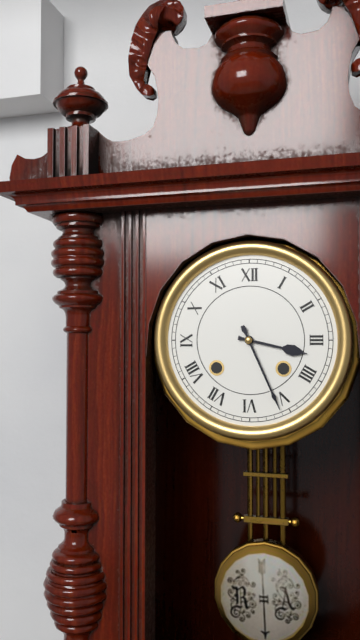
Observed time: 3:26
